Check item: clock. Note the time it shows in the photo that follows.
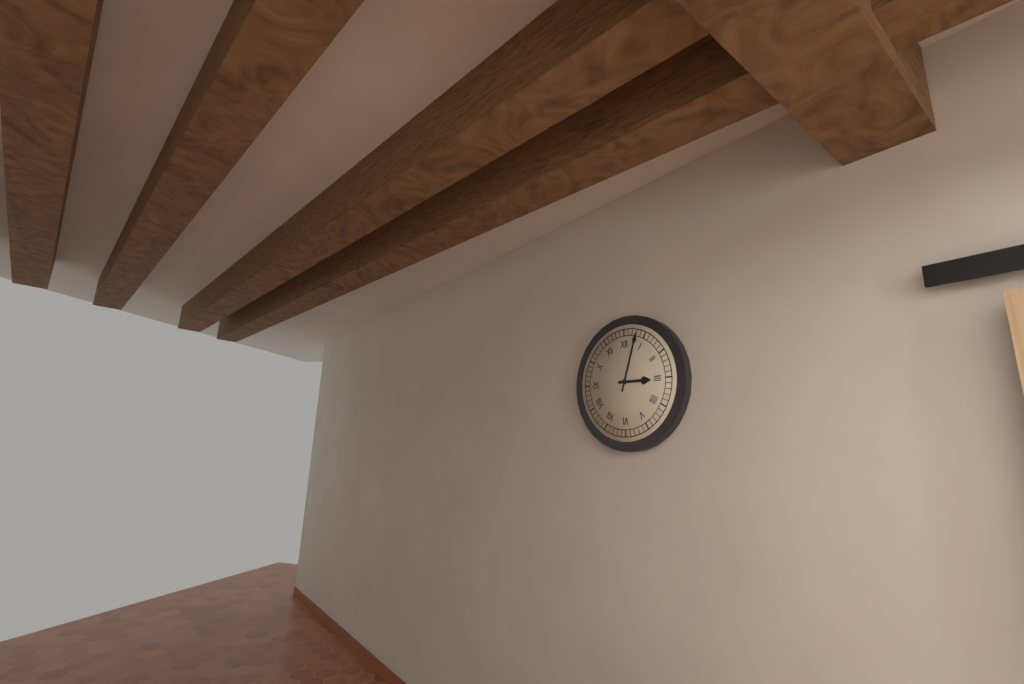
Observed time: 3:03
